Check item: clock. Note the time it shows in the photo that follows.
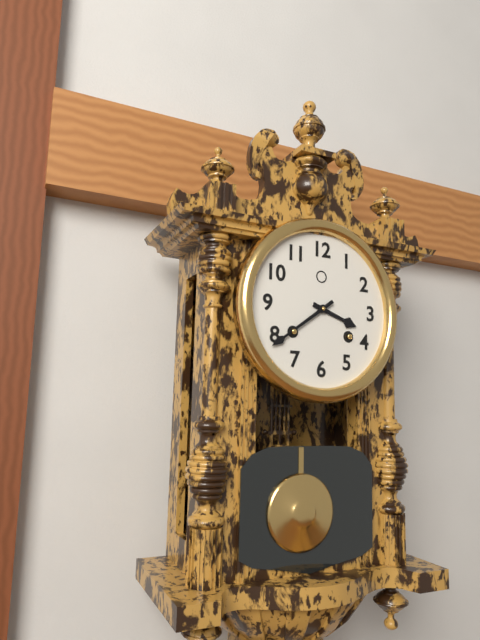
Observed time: 3:39
